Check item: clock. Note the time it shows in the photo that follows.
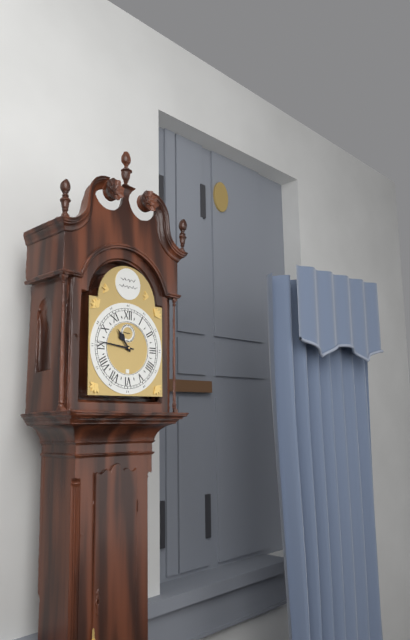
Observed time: 10:46
